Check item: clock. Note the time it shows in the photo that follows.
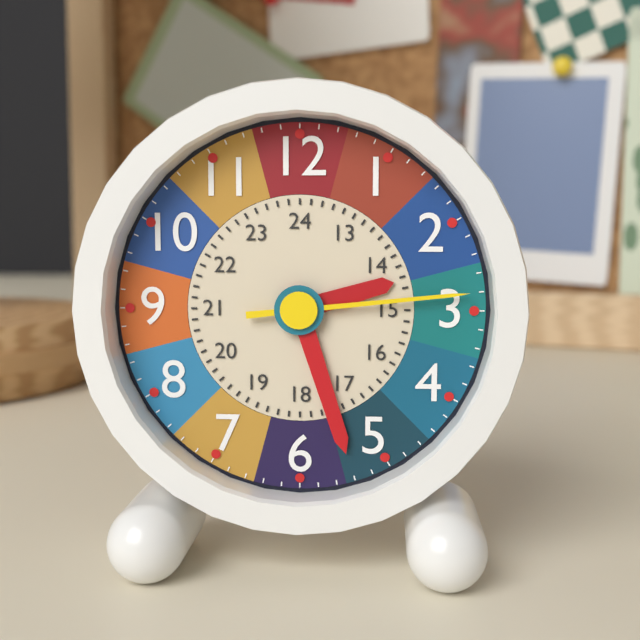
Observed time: 2:27:14
